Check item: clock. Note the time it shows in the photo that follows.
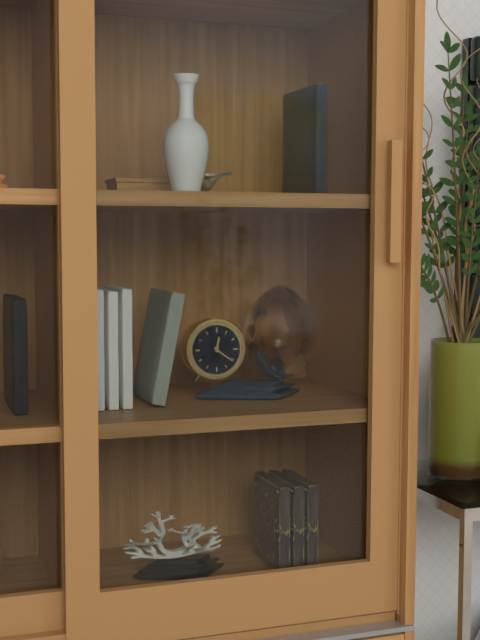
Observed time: 12:21
